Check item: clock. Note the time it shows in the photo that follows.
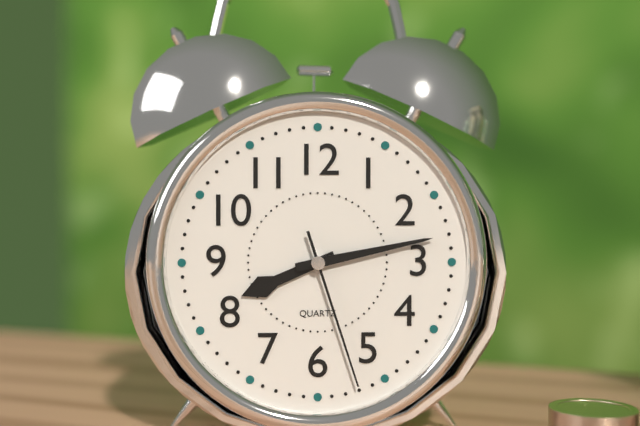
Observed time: 8:13:27
